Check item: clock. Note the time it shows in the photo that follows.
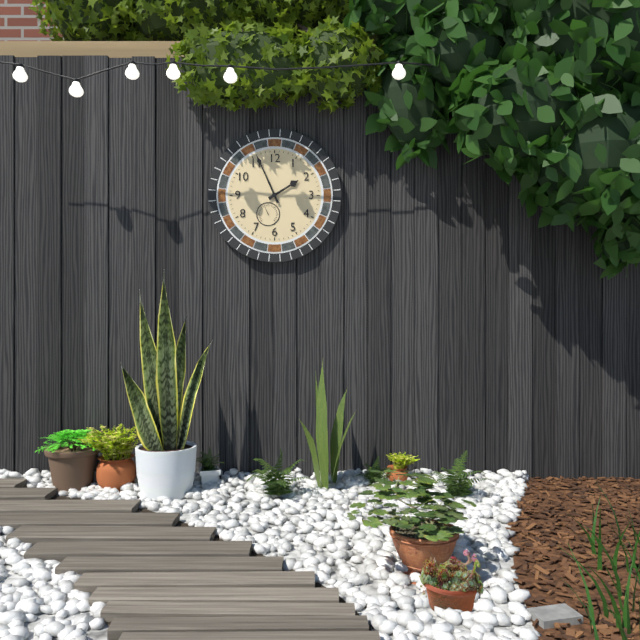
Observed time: 1:56
